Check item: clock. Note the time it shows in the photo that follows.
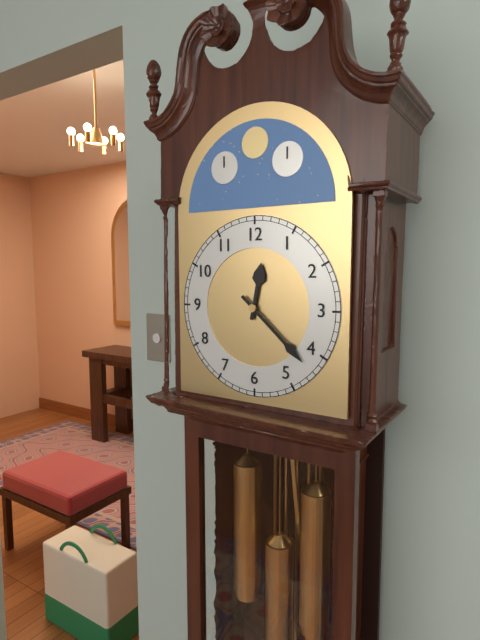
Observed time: 12:22
